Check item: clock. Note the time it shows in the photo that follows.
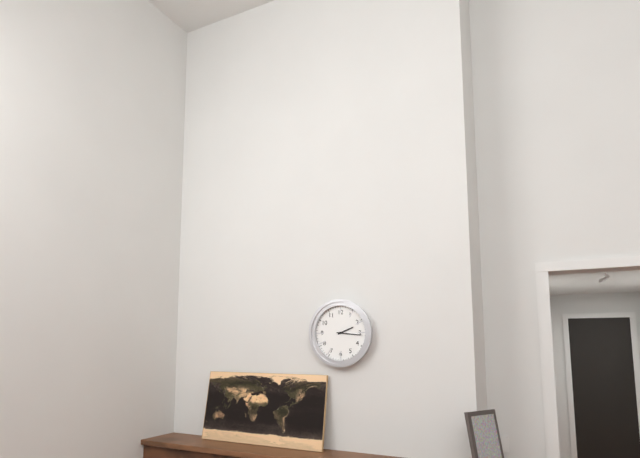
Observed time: 2:16
